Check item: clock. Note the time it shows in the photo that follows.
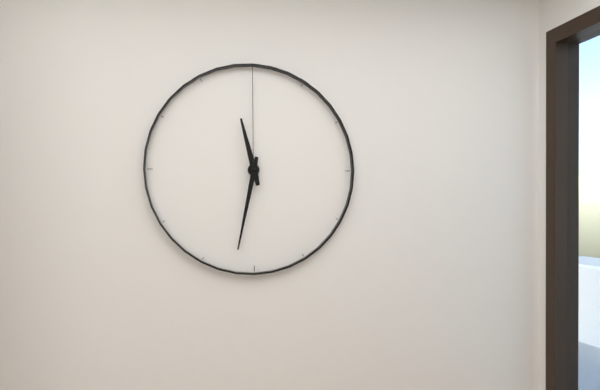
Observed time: 11:32
